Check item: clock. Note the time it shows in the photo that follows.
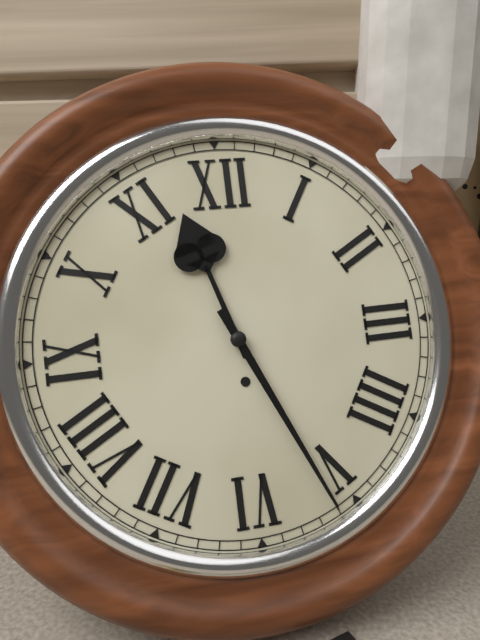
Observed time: 11:26
